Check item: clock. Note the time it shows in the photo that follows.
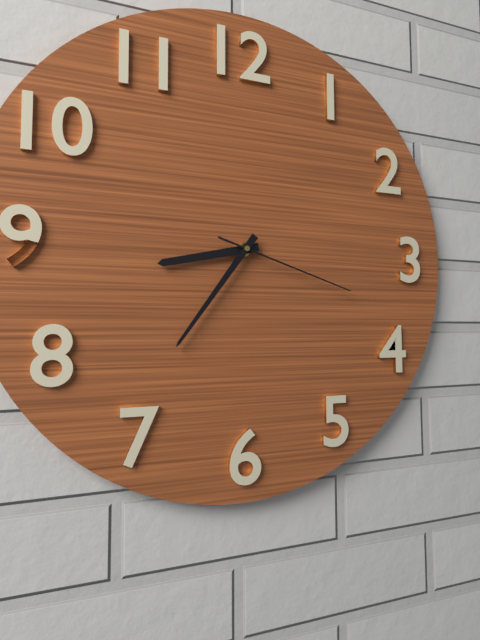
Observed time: 8:36:18
